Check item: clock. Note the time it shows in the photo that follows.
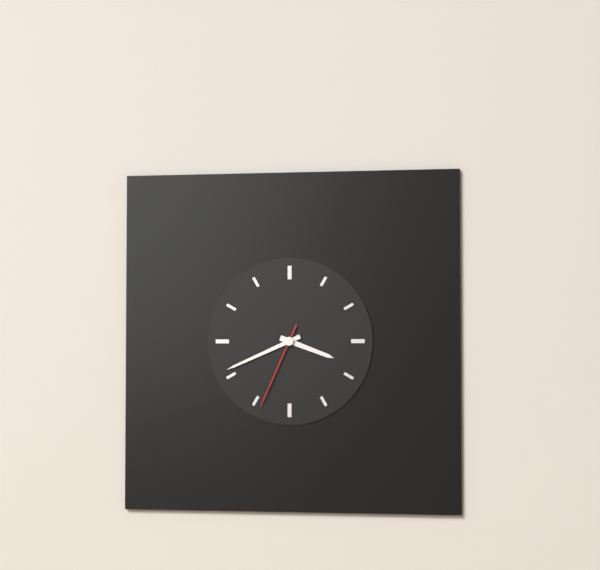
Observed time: 3:41:34
